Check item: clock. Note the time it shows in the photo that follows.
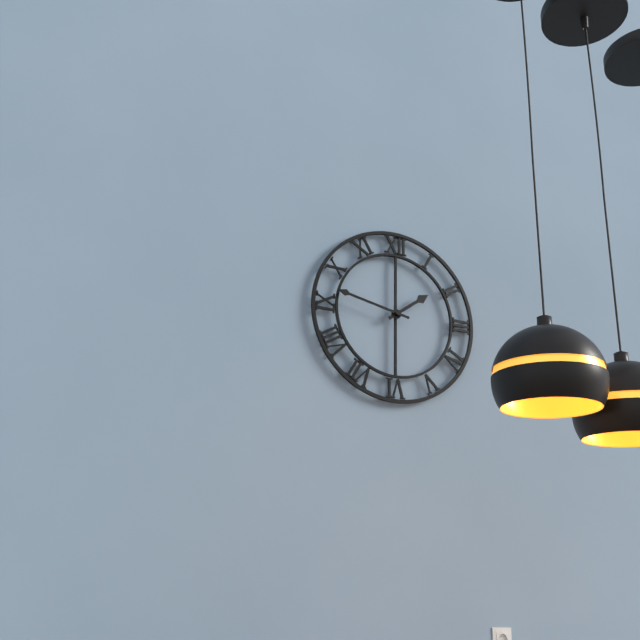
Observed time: 1:47
